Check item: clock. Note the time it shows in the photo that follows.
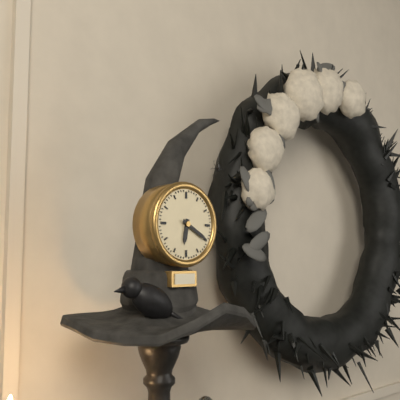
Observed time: 6:20
